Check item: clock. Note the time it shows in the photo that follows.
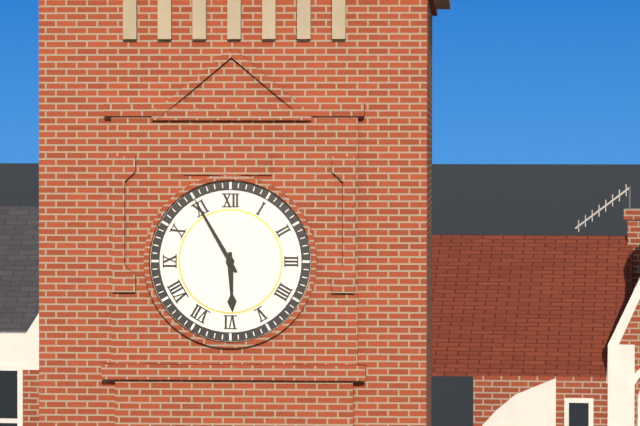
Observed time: 5:55
